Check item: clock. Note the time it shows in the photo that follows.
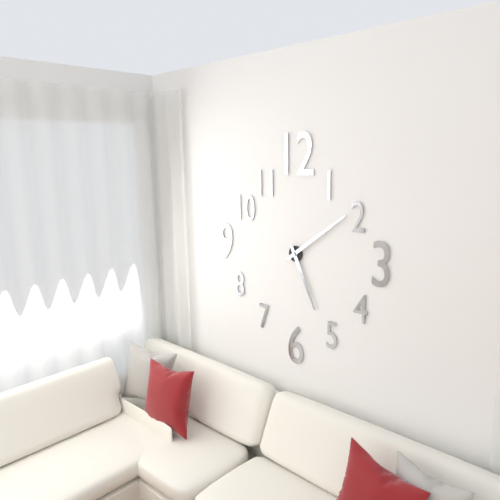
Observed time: 5:09
